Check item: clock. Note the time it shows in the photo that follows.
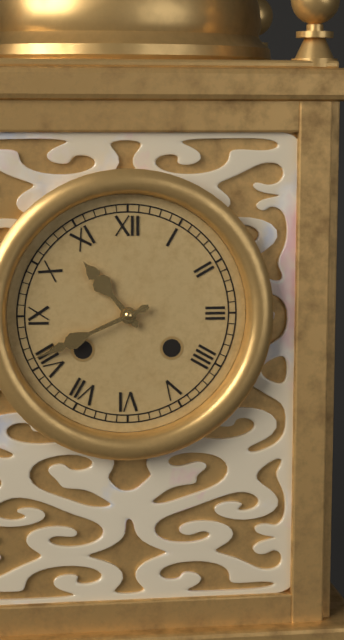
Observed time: 10:41
